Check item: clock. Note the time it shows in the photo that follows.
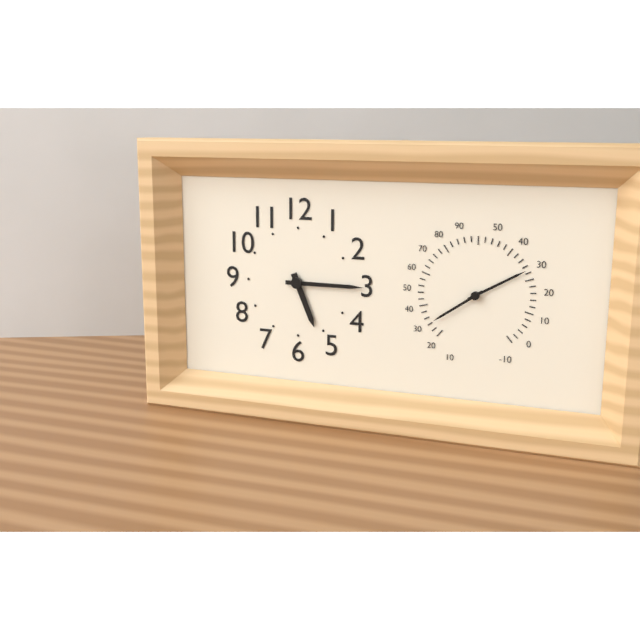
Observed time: 5:15
